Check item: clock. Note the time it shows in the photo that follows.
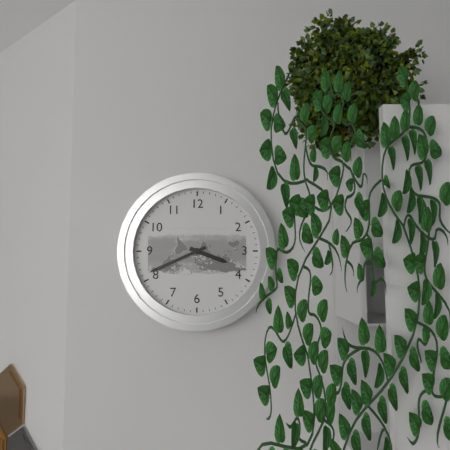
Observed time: 3:41
